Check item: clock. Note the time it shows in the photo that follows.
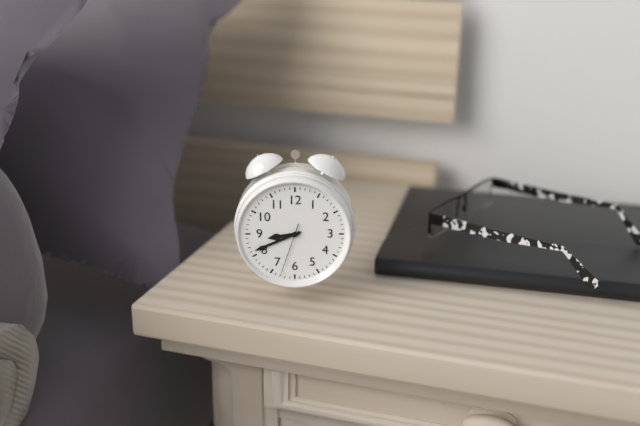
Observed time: 8:41:33
